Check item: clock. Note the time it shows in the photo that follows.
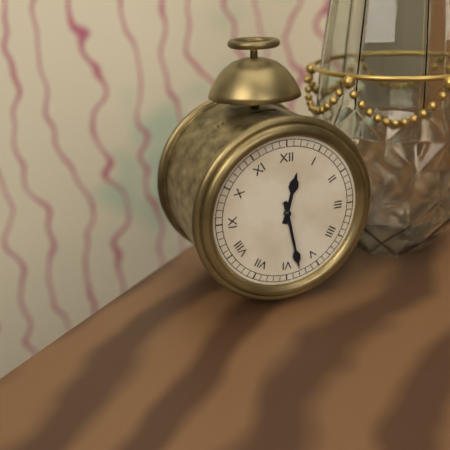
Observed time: 12:28
